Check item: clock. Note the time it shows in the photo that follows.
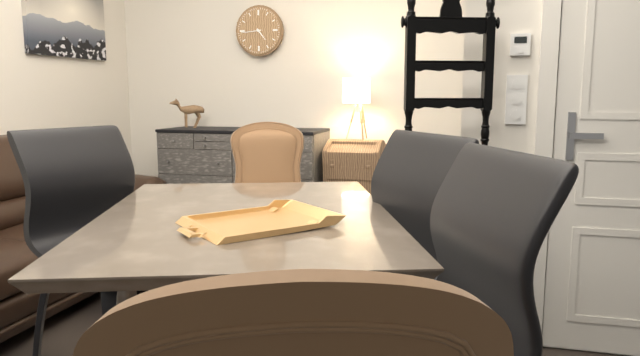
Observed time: 4:44
